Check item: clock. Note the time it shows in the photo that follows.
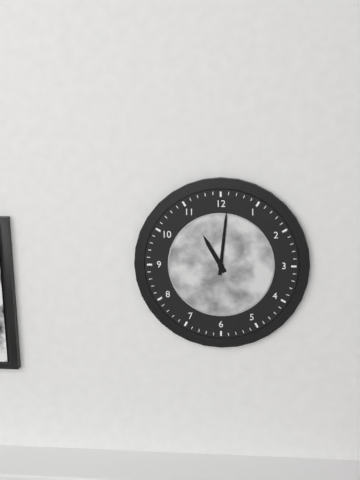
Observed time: 11:01
